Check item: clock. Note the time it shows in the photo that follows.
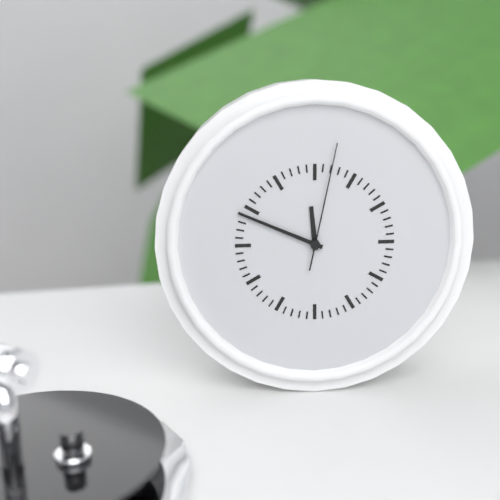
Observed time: 11:49:02
